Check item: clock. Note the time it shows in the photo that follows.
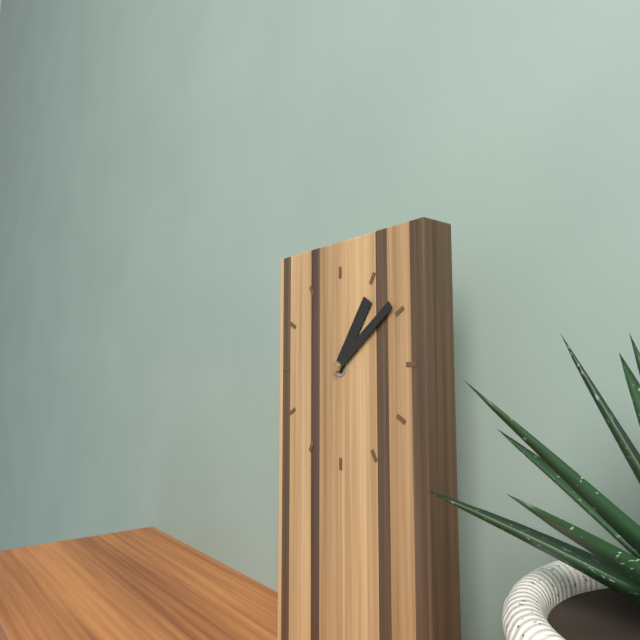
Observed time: 1:09
